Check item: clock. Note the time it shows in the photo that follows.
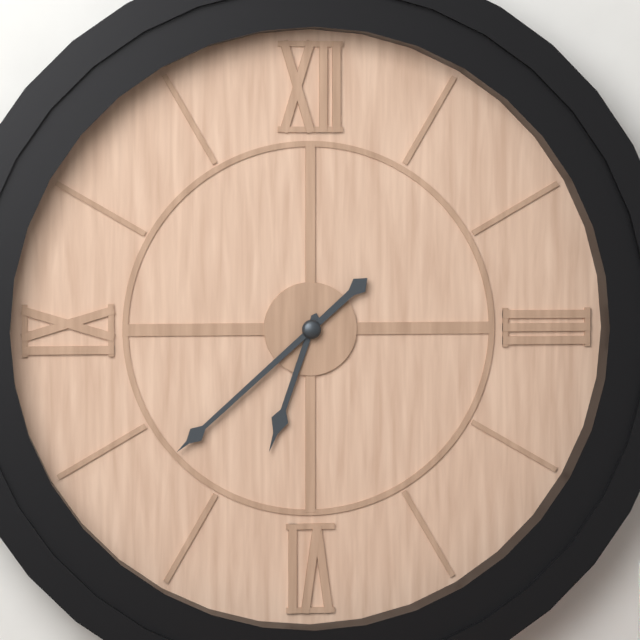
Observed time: 6:38
